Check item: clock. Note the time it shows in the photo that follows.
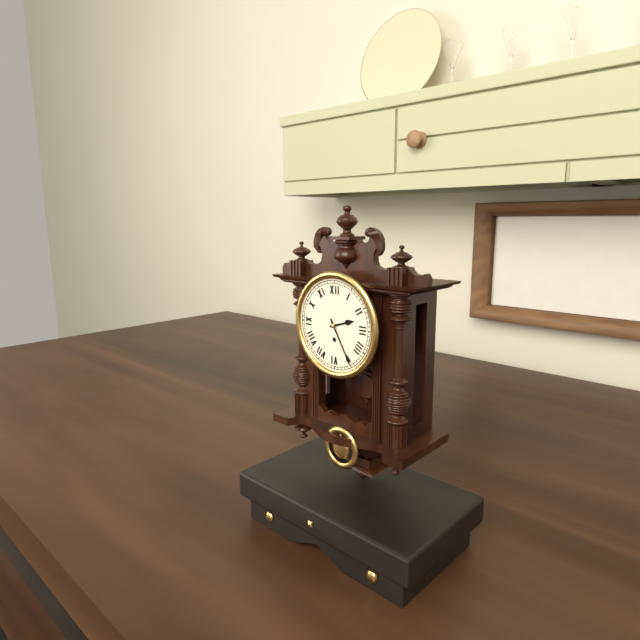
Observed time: 2:25
